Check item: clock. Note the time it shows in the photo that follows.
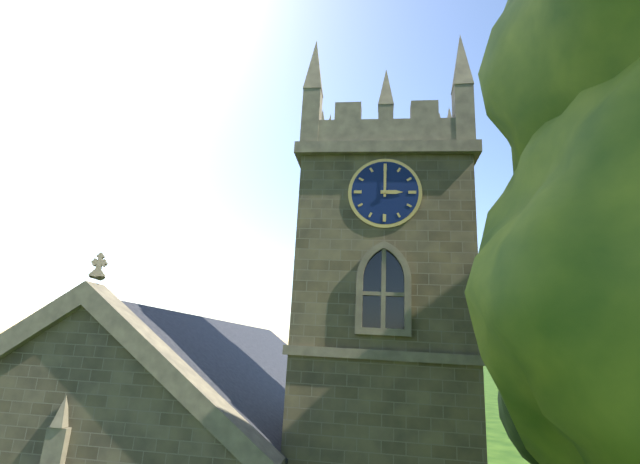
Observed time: 3:00
